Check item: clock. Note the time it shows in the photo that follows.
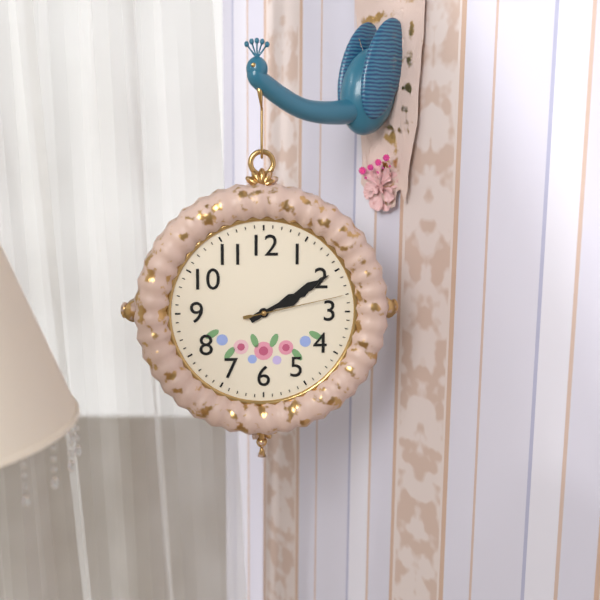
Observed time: 2:10:13
